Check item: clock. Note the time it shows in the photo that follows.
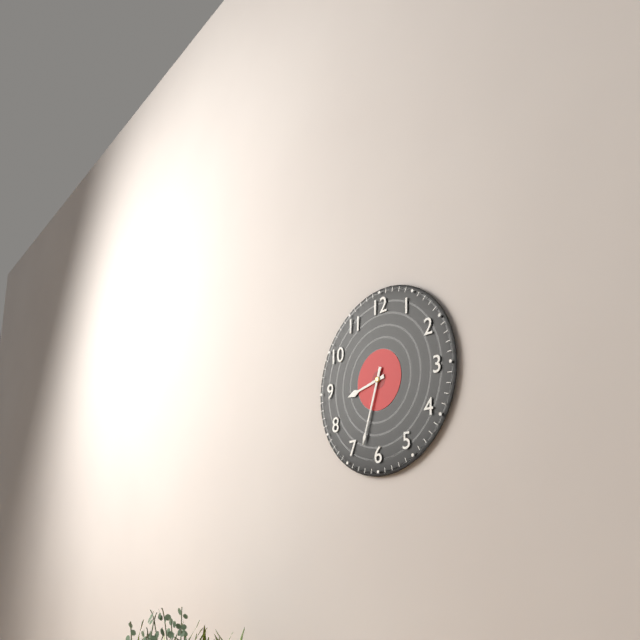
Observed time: 8:33
